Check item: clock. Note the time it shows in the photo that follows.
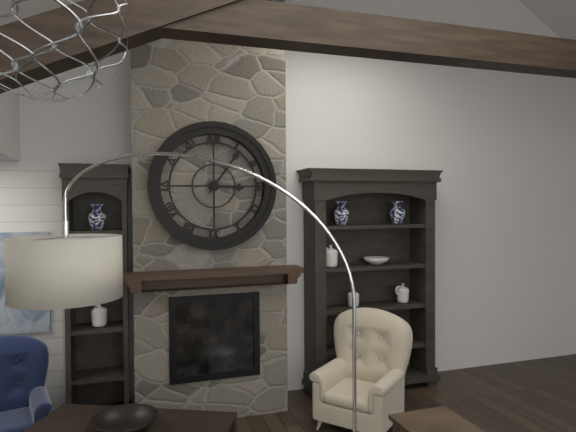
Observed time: 3:06
